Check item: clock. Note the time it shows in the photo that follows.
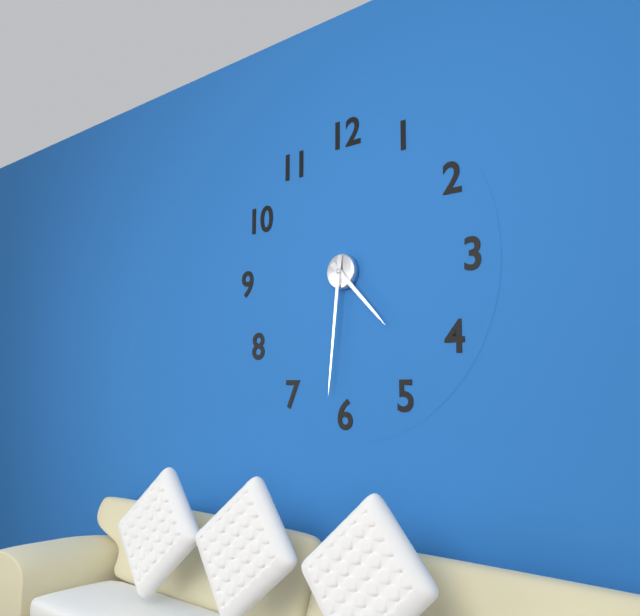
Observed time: 4:31
